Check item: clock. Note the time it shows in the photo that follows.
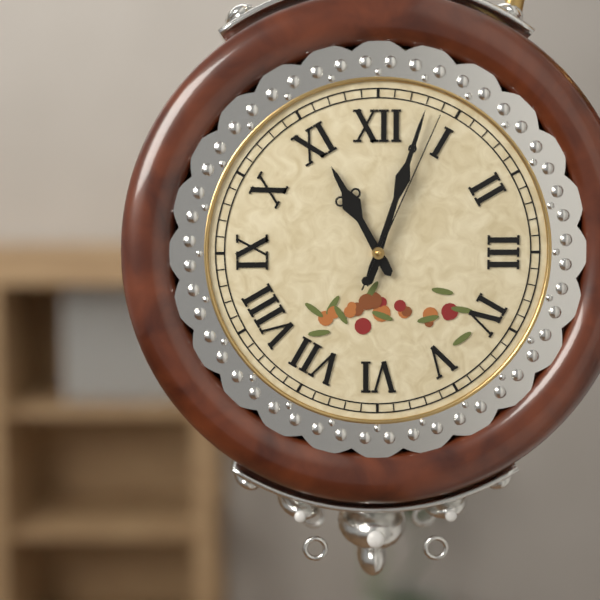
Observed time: 11:03:04
